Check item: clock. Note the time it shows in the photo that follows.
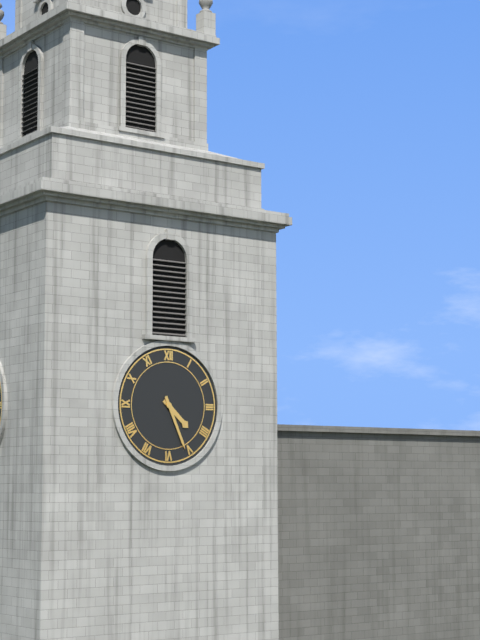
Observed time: 4:26
